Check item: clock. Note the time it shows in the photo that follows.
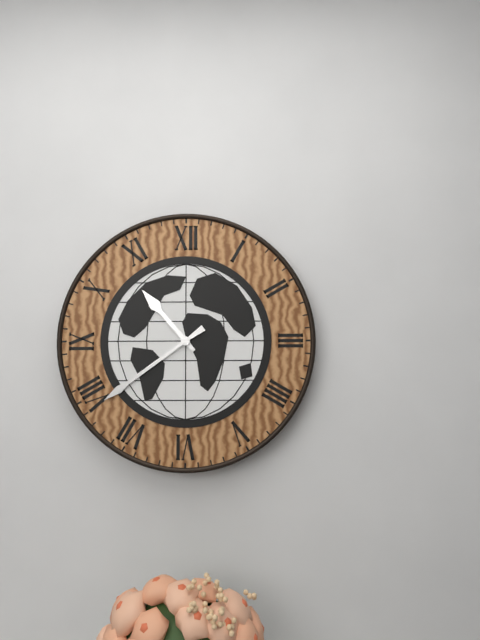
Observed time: 10:39
